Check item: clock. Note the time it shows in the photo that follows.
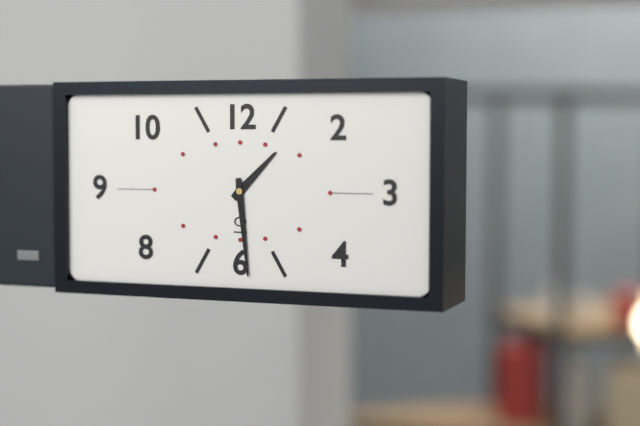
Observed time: 1:29
